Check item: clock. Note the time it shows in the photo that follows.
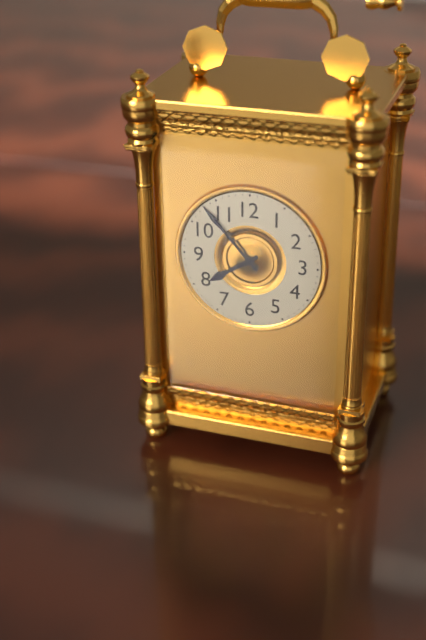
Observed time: 7:53
